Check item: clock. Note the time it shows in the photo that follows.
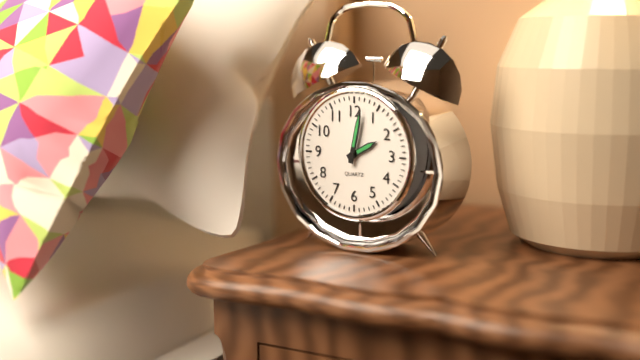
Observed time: 2:02
